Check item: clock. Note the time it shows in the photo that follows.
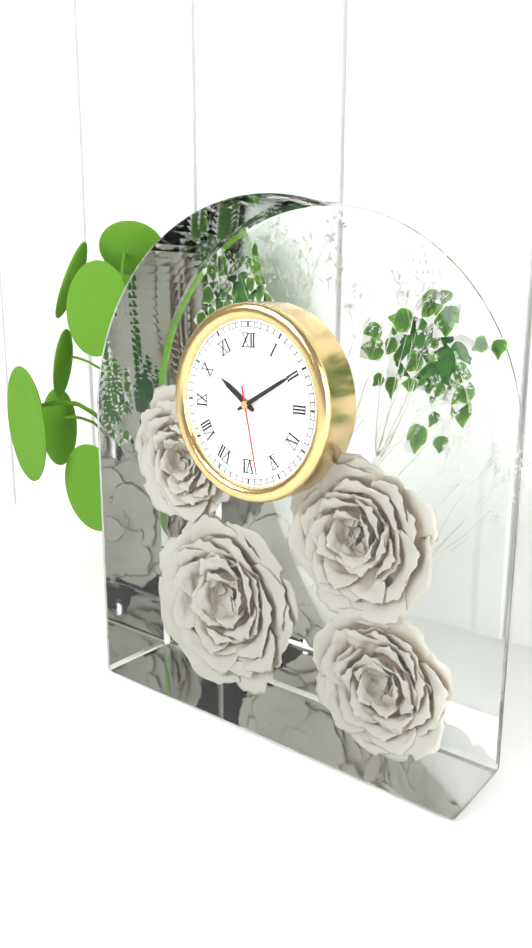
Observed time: 10:10:28
